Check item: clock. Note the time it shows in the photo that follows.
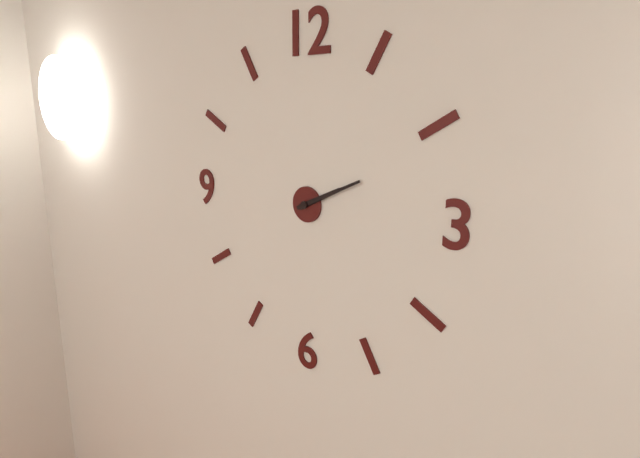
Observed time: 2:11
